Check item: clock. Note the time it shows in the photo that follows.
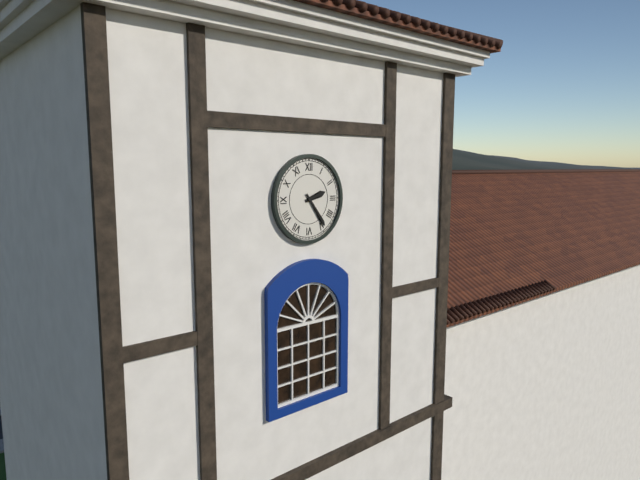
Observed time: 2:24
